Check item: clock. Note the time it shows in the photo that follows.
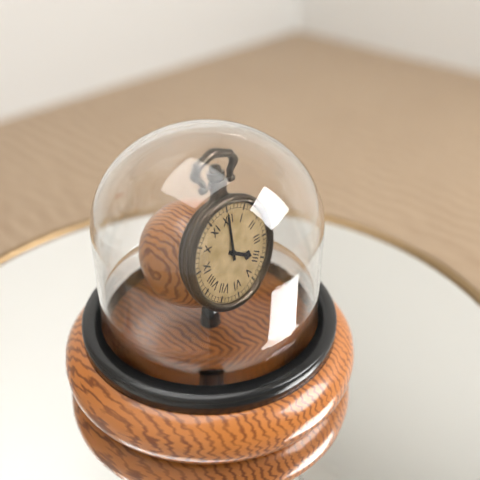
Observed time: 4:00
